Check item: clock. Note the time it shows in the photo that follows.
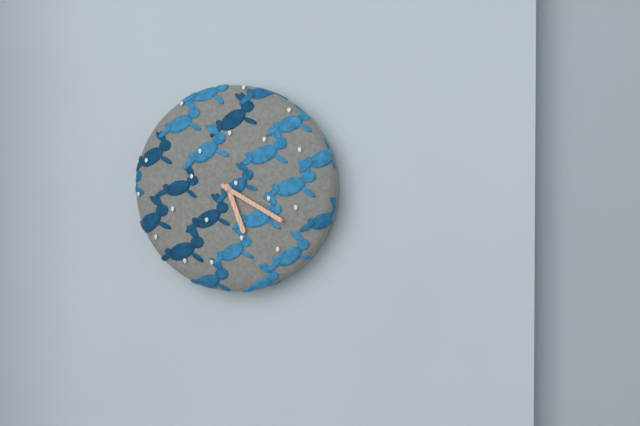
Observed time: 5:20
